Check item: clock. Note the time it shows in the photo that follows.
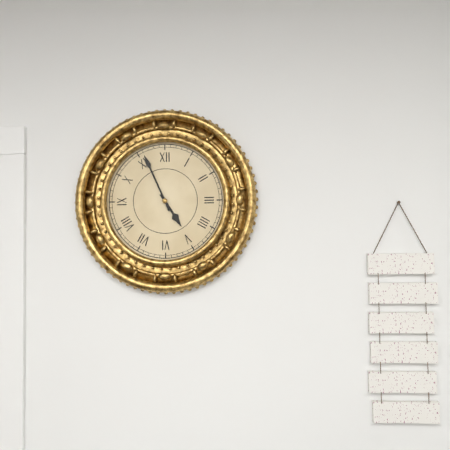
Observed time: 4:56
